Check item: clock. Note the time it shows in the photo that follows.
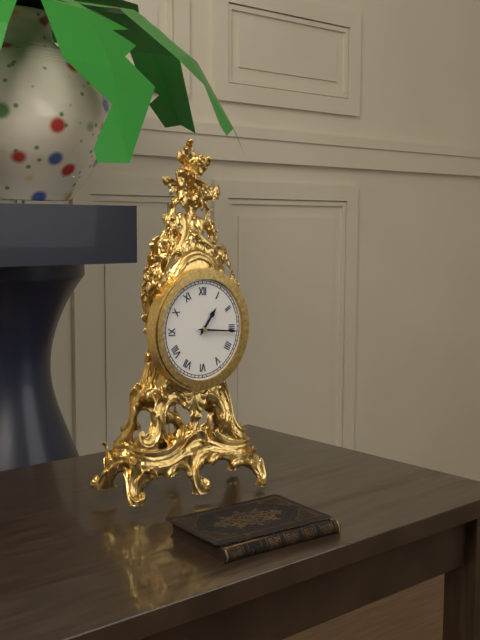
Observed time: 1:16
